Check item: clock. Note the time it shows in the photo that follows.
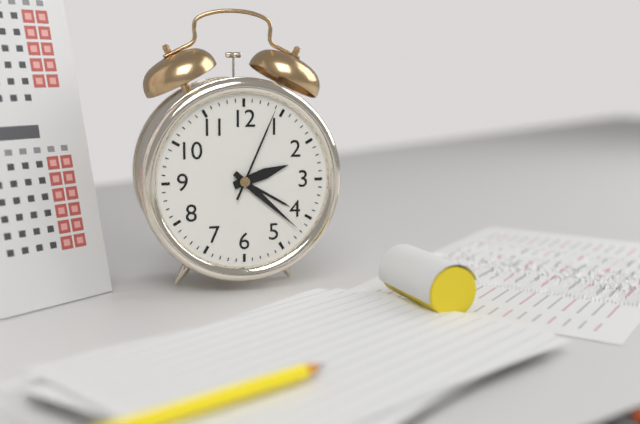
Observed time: 2:22:04
